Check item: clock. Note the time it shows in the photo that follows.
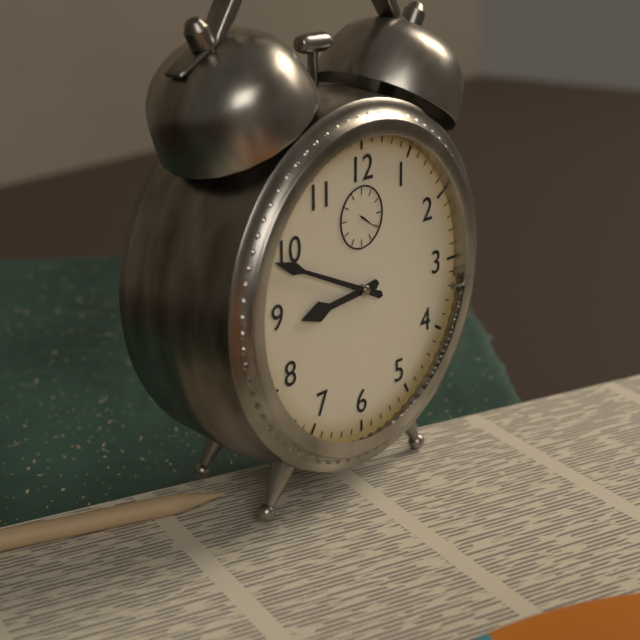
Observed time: 8:49
